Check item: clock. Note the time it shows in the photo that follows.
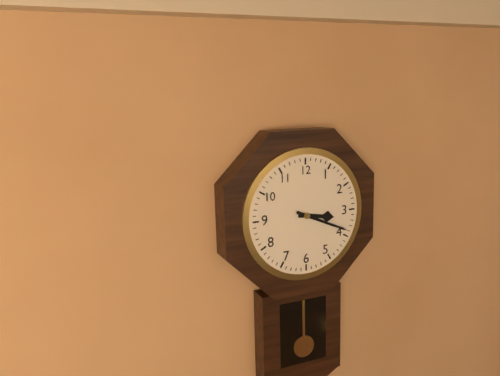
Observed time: 3:19
